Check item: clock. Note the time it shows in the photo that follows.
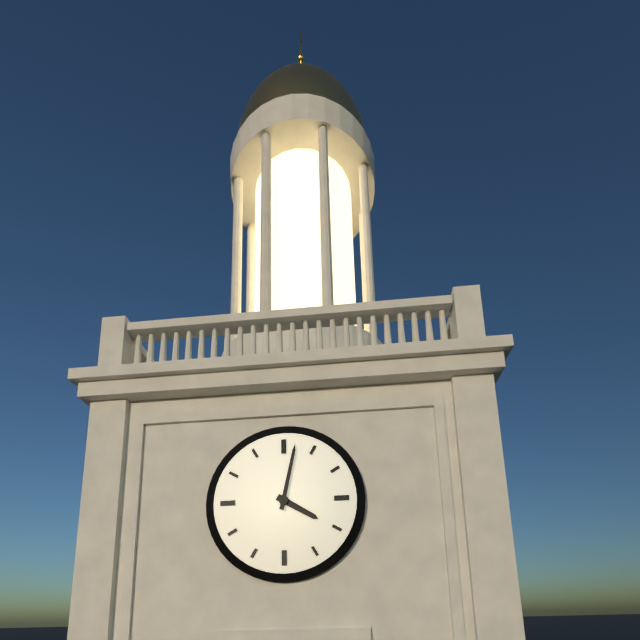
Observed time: 4:02
